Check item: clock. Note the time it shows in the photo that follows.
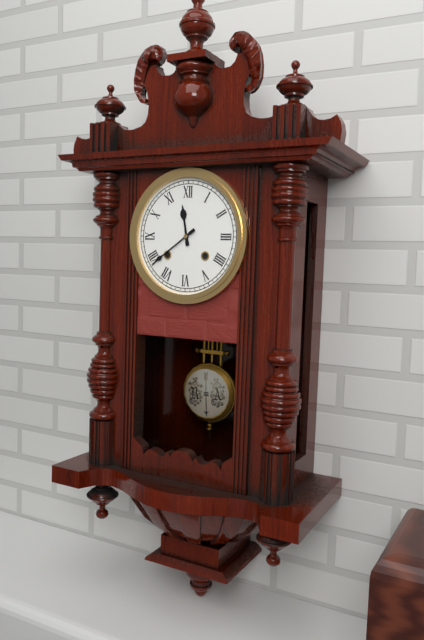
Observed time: 11:39
